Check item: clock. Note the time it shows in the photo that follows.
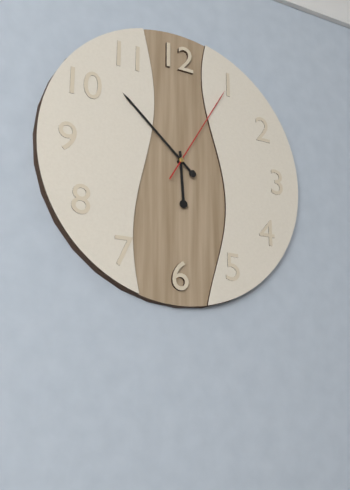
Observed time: 5:52:05
